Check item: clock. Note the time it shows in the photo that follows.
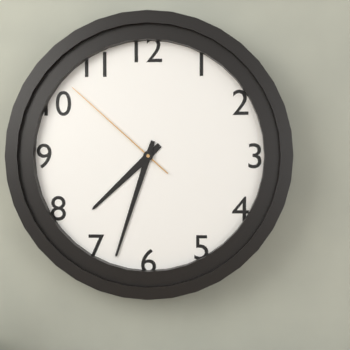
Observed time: 7:33:52
